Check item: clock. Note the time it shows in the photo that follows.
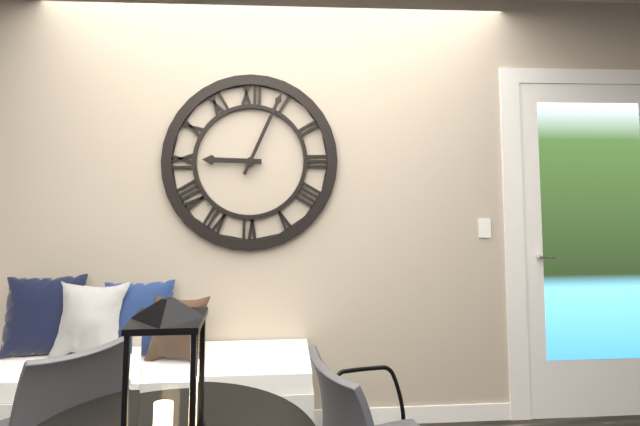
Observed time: 9:04
